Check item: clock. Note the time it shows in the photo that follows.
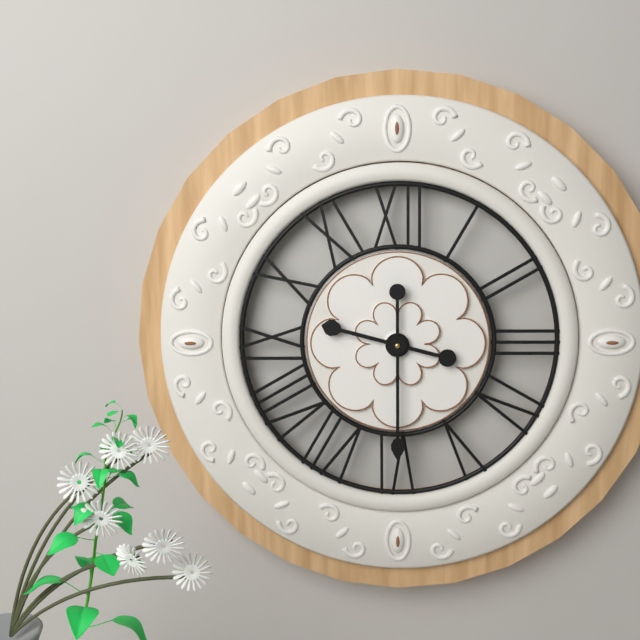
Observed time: 9:30
